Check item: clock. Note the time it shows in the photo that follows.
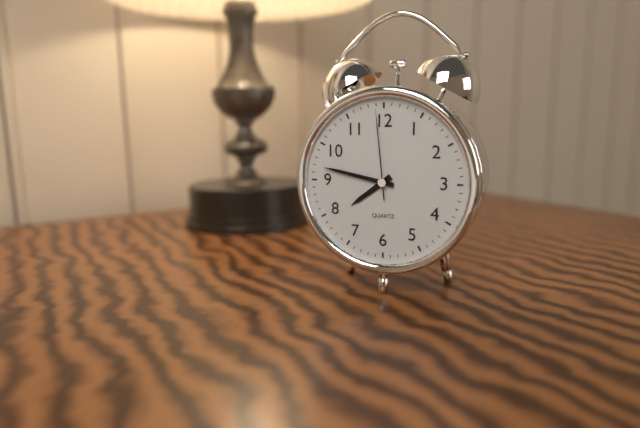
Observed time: 7:47:59
